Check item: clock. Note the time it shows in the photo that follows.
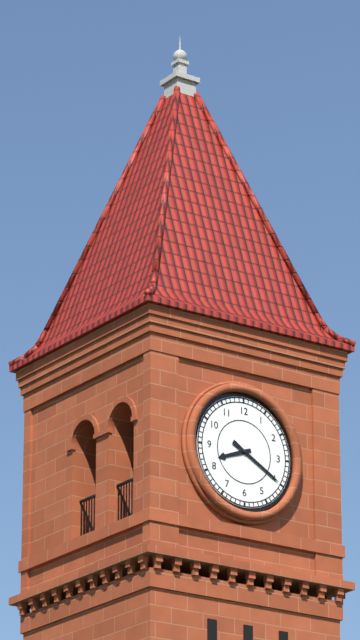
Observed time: 8:20
